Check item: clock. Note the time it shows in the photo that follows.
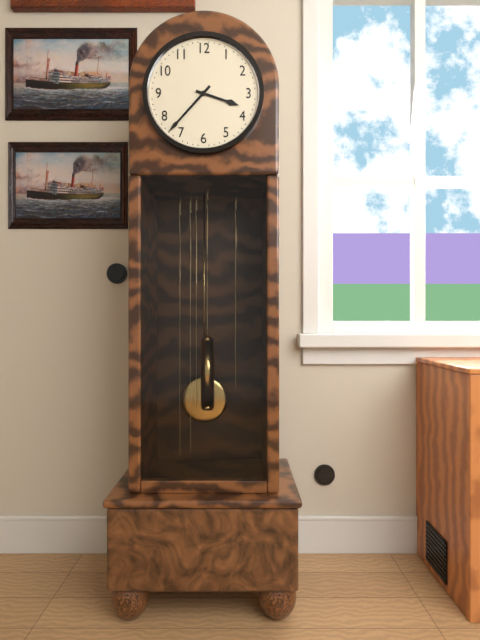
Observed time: 3:37
